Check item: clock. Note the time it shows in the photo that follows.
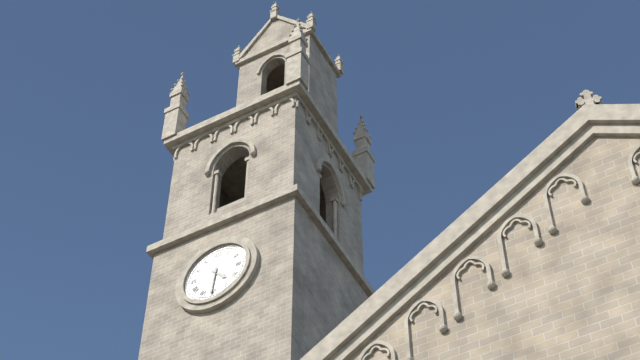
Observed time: 4:31
